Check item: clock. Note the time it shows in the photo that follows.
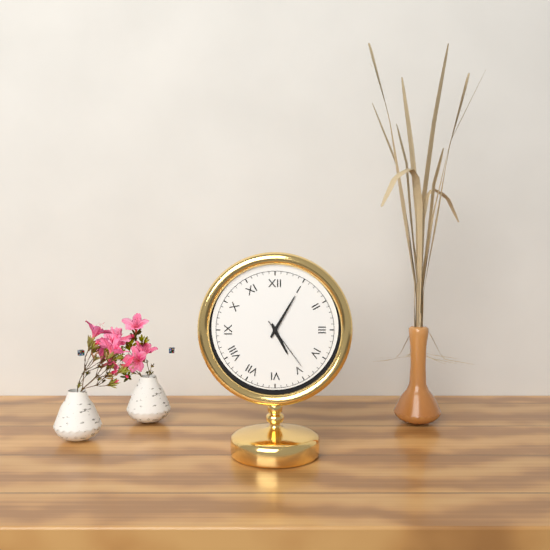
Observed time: 5:05:24
